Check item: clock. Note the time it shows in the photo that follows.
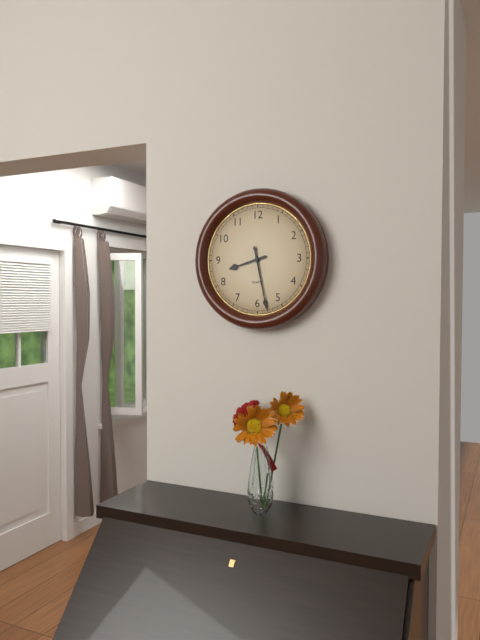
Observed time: 8:28
